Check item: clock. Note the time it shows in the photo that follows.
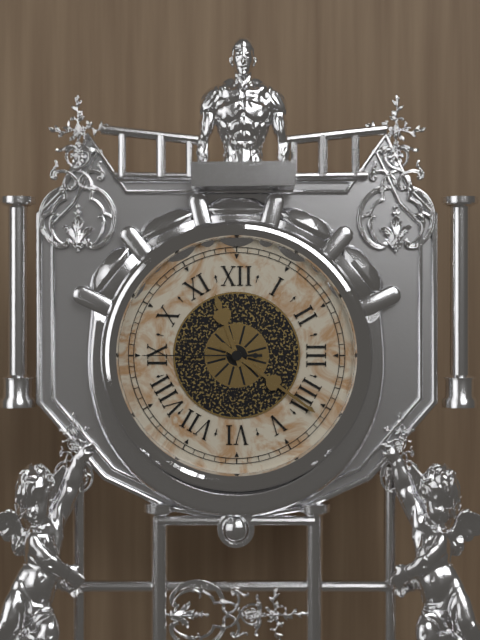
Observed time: 11:21:45
